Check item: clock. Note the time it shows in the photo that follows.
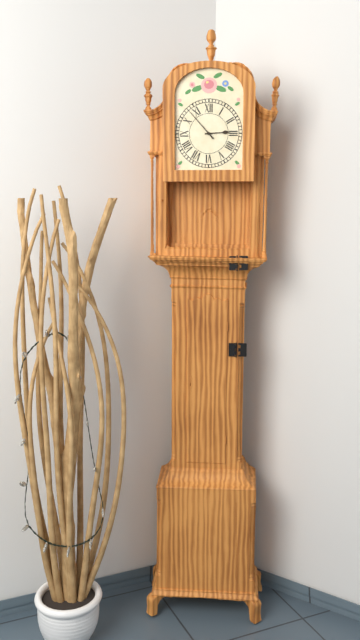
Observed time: 2:53
